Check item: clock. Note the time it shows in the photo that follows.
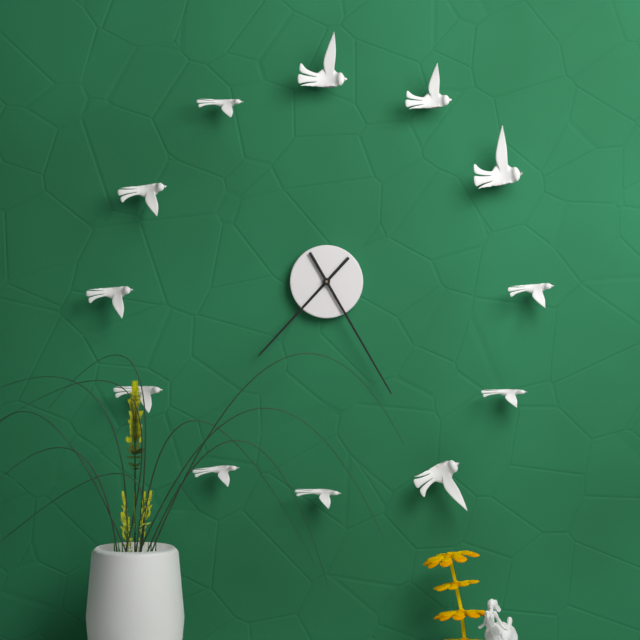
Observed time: 7:25
